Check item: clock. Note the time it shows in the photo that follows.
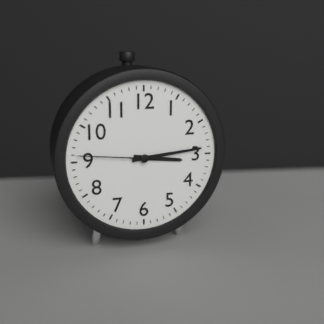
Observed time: 3:14:46
